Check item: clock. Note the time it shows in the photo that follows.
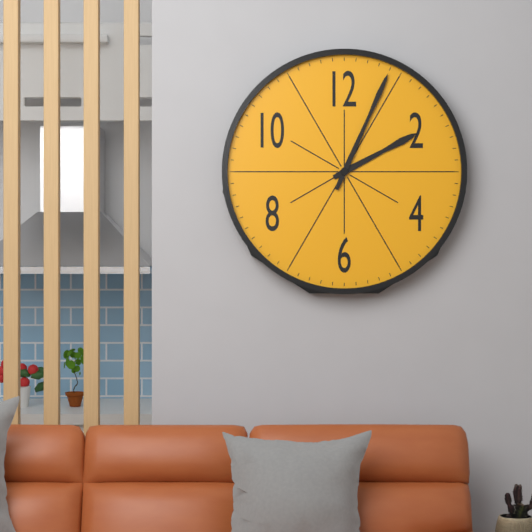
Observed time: 2:04
